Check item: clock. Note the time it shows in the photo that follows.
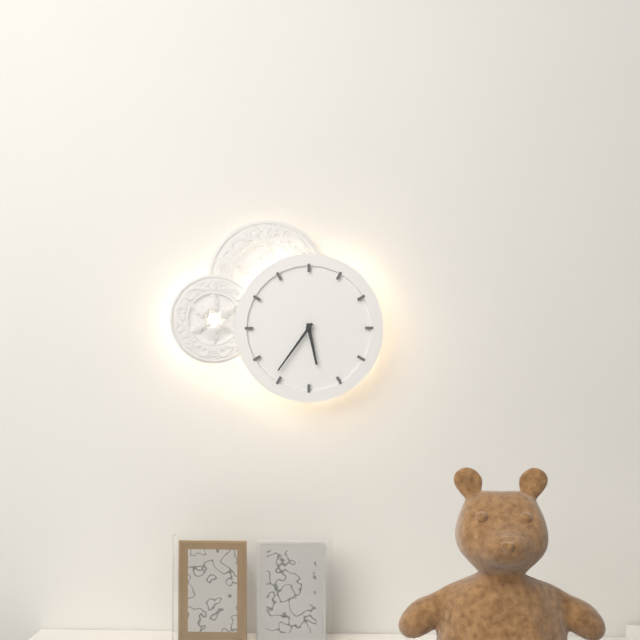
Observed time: 5:36
